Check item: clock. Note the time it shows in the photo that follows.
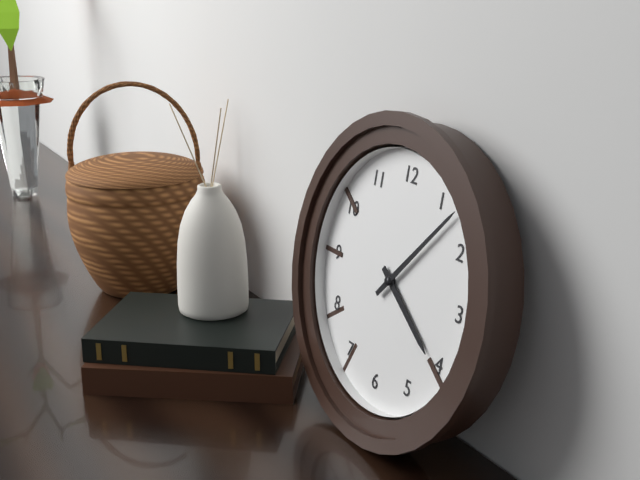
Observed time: 4:07
